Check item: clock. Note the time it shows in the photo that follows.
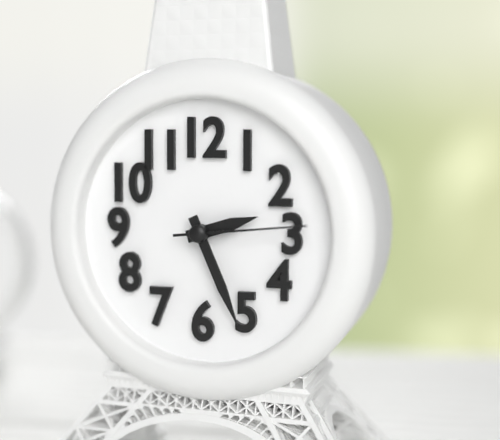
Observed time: 2:26:14
